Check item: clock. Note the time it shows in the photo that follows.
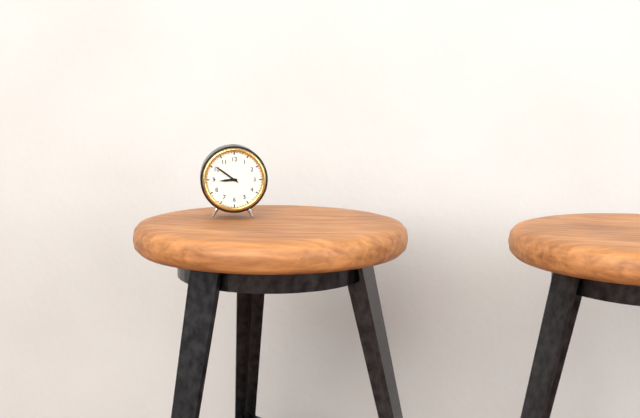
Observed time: 8:51
